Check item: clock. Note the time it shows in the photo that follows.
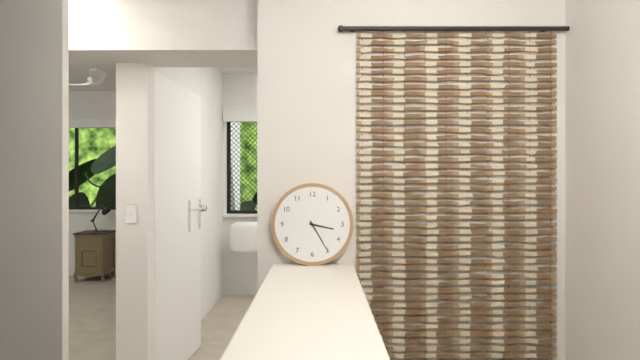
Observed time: 3:25
